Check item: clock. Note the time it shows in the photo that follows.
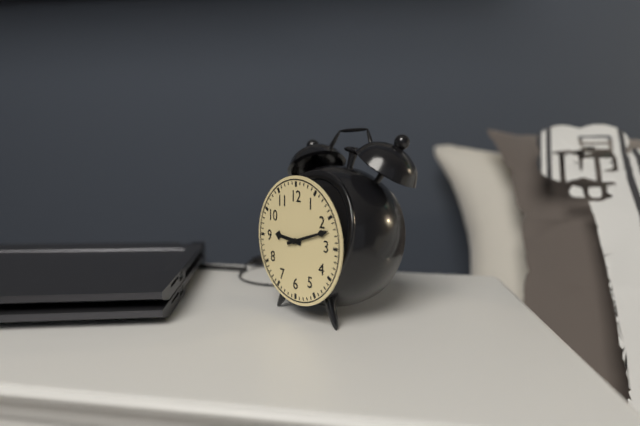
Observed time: 9:12
